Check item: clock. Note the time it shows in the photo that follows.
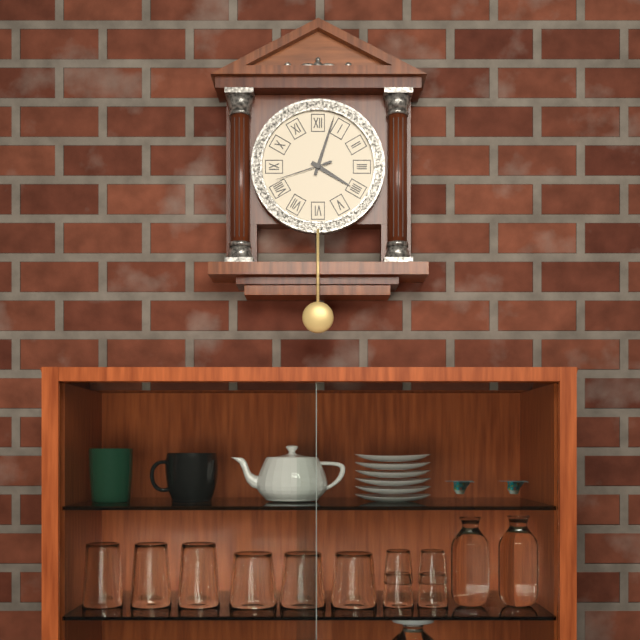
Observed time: 4:03:42
